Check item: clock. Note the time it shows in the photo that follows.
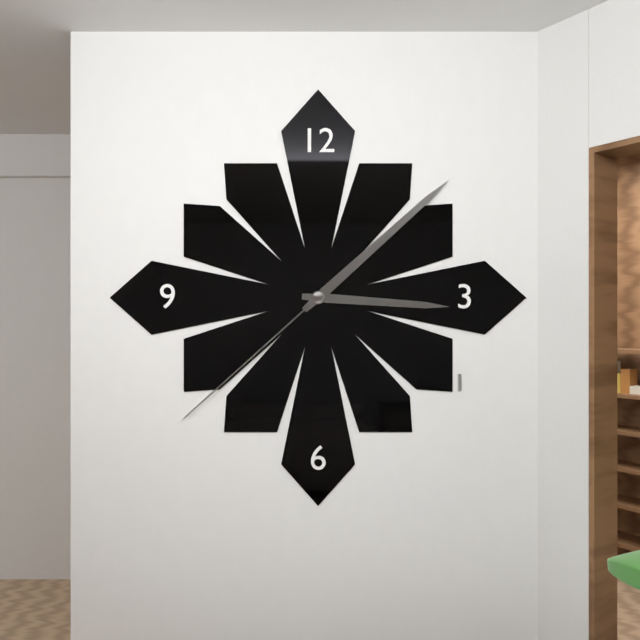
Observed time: 3:08:38
